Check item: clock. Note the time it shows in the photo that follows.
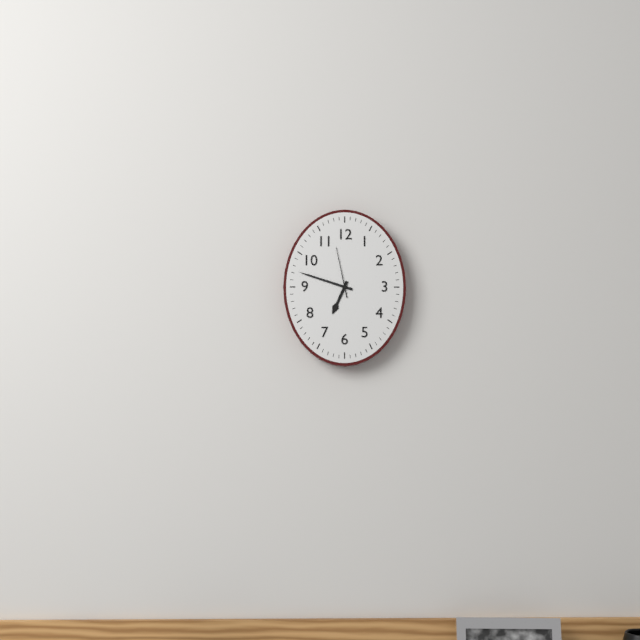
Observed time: 6:48:58
